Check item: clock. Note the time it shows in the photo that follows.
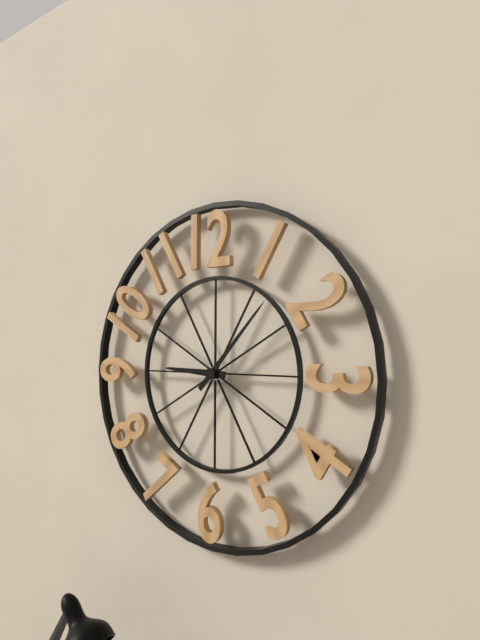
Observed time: 9:07
